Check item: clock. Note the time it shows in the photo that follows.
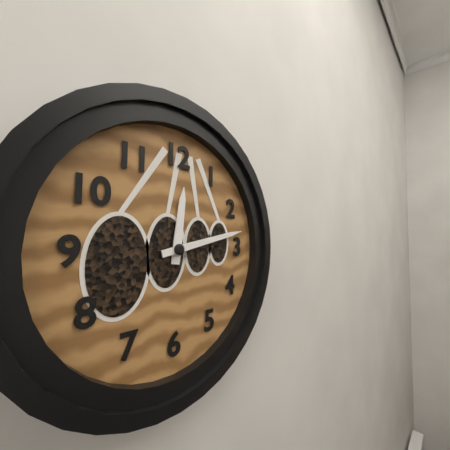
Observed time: 12:13
